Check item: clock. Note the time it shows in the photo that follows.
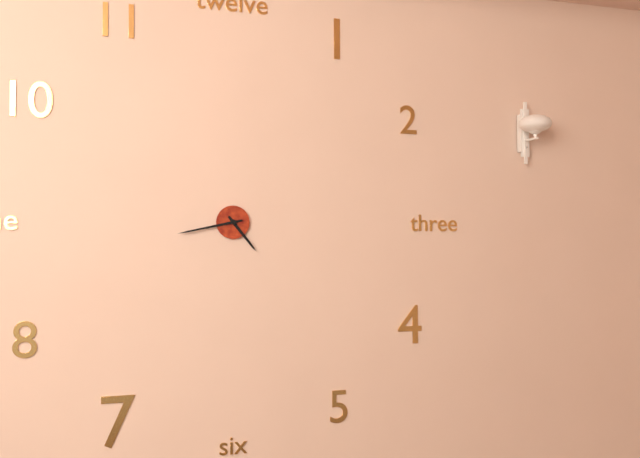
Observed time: 4:43
